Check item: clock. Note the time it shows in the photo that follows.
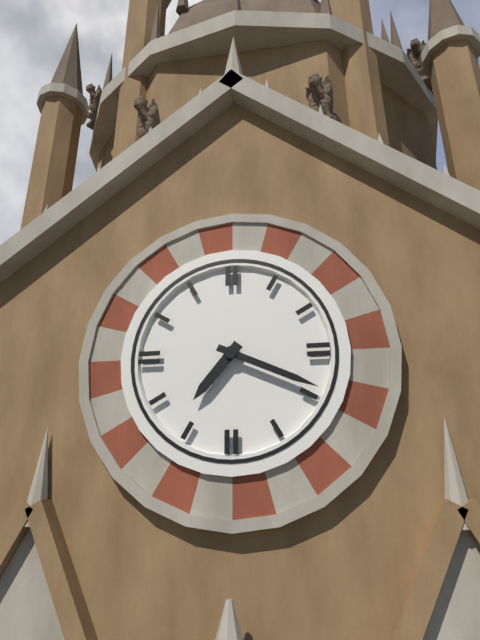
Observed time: 7:19
